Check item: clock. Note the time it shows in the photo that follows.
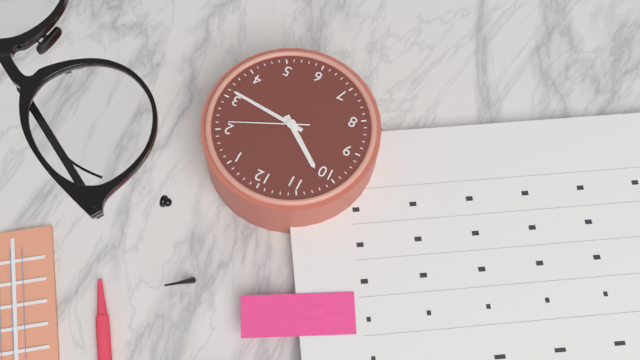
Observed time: 10:16:11
